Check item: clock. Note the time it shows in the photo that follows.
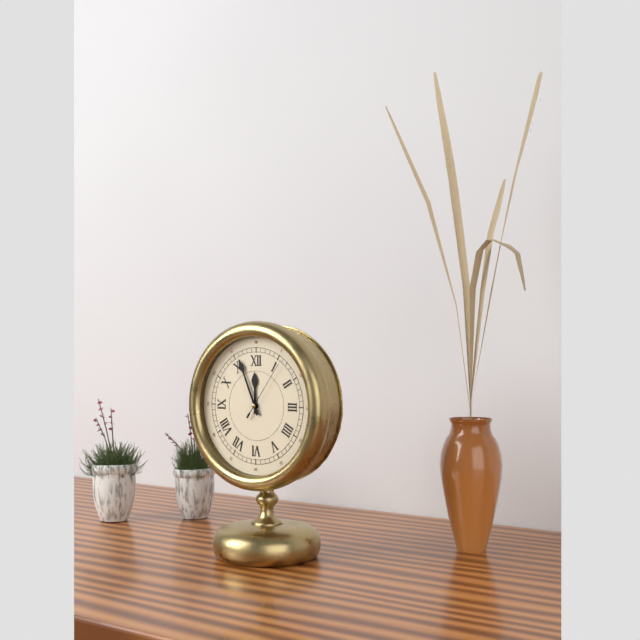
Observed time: 11:56:06
